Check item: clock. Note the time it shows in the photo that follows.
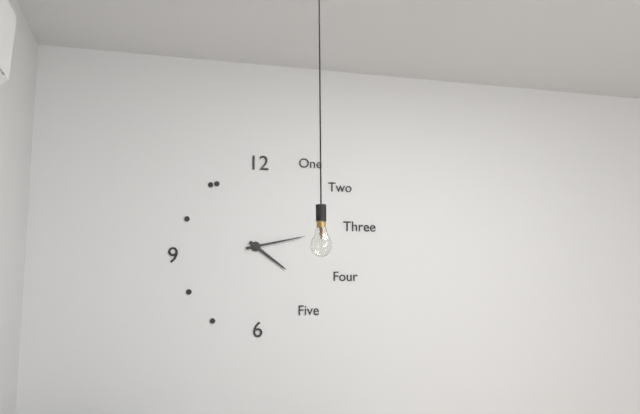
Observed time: 4:13
